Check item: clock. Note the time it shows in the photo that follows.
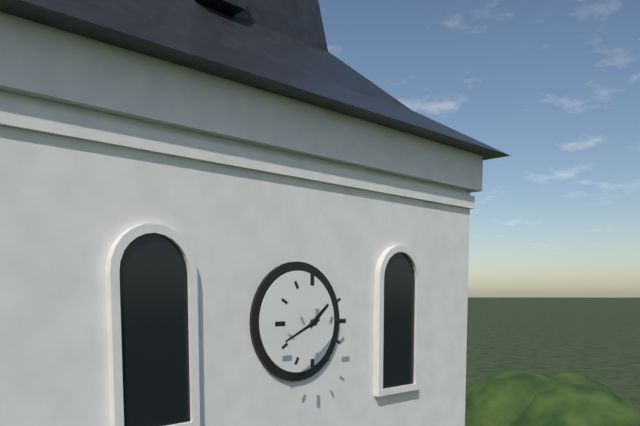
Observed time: 1:41
